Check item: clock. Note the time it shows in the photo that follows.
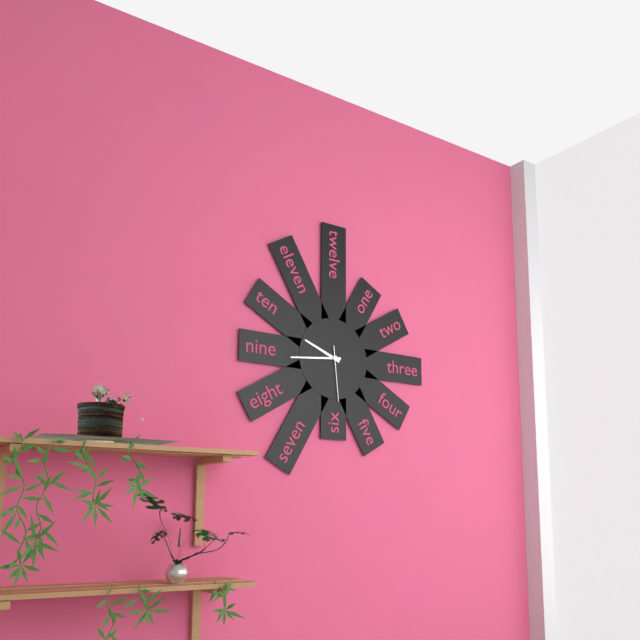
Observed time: 9:44:29
